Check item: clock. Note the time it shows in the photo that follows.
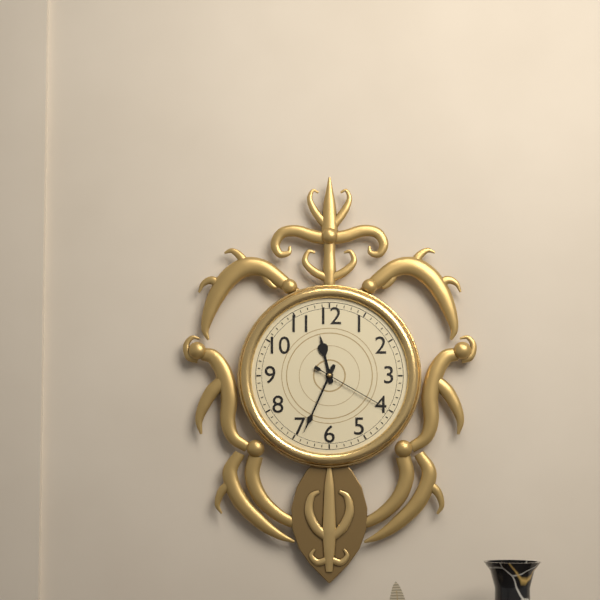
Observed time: 11:34:20
